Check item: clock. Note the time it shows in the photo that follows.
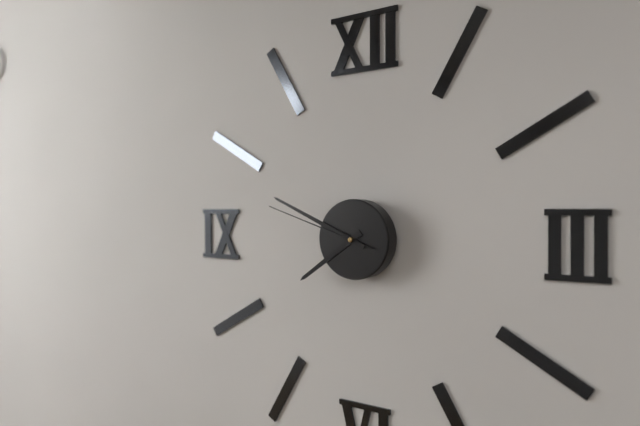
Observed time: 7:49:48
